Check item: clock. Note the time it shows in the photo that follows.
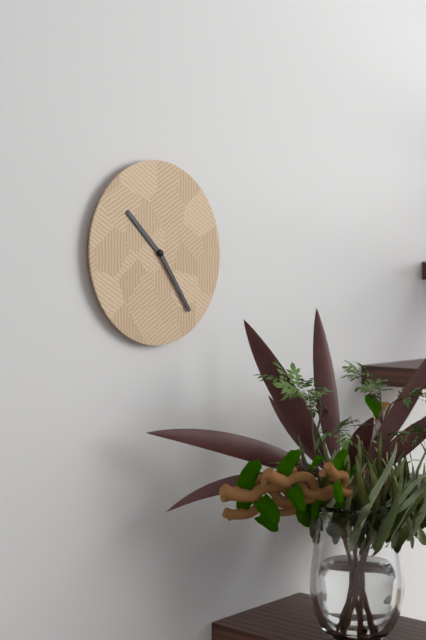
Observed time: 10:24
